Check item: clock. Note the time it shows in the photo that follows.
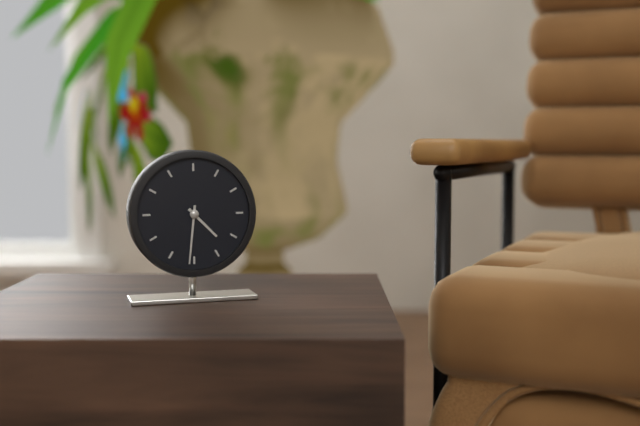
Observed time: 4:31
